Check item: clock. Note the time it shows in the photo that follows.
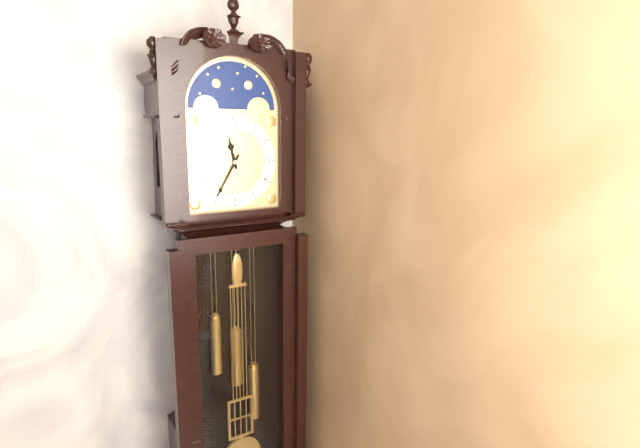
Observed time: 11:35
